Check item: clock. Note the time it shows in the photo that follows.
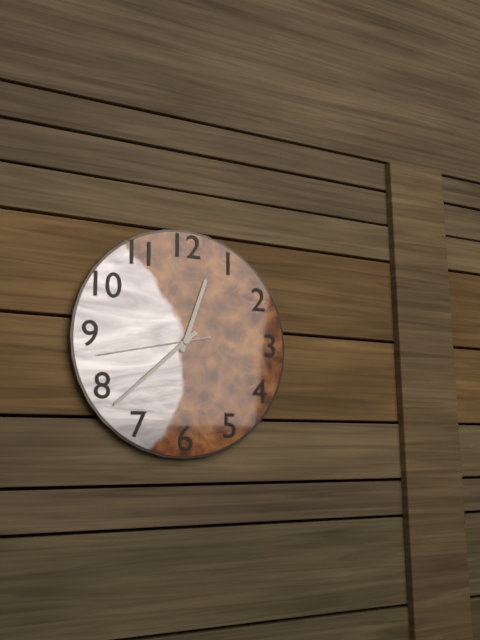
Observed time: 12:38:43
